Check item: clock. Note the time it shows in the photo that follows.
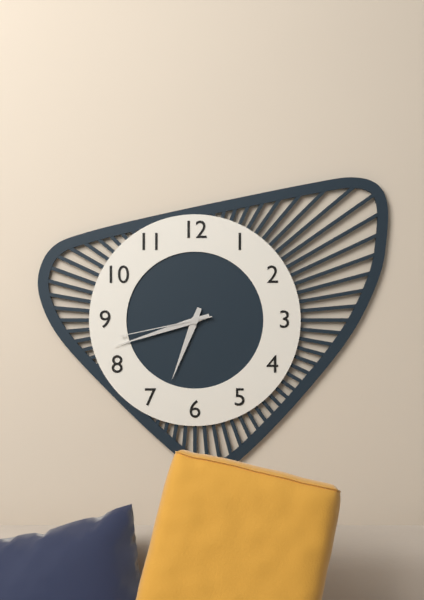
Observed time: 6:42:43
